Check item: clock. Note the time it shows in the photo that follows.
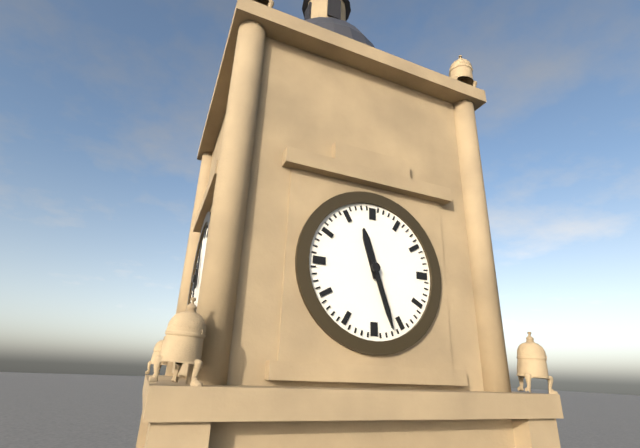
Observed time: 11:27
